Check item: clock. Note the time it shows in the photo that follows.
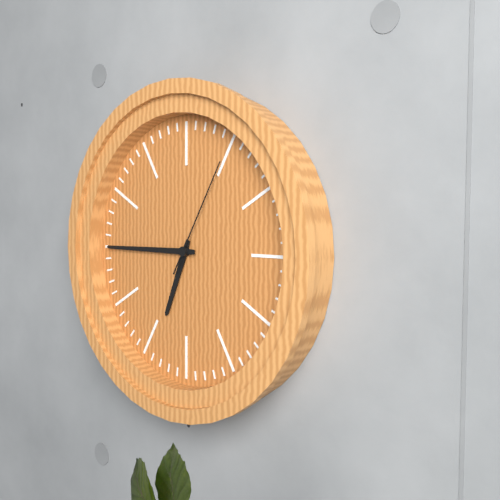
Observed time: 6:45:05
